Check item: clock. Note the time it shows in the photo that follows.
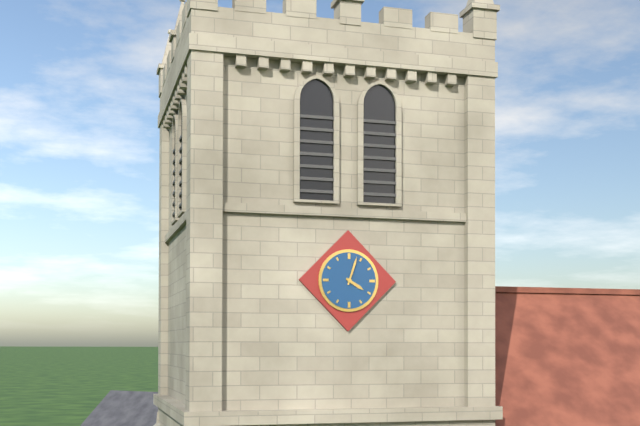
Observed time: 4:03
